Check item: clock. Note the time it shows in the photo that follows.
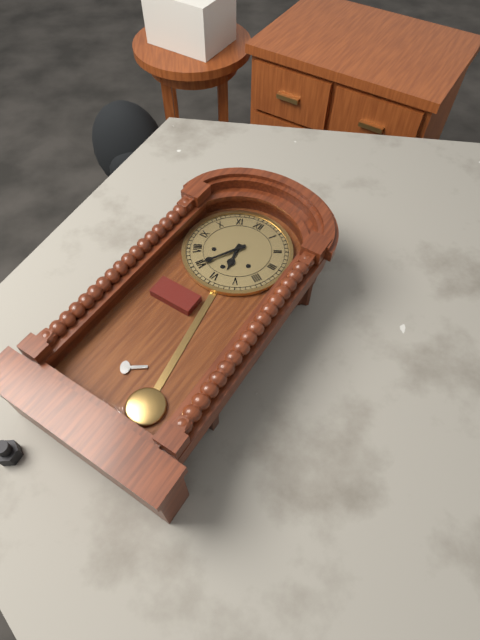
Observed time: 5:35
